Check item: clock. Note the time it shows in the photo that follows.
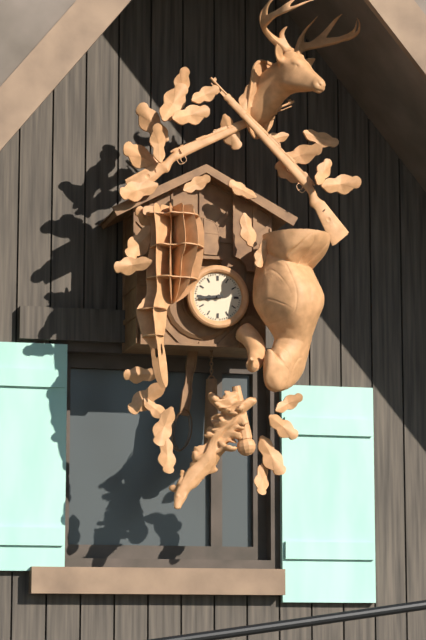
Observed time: 8:44
